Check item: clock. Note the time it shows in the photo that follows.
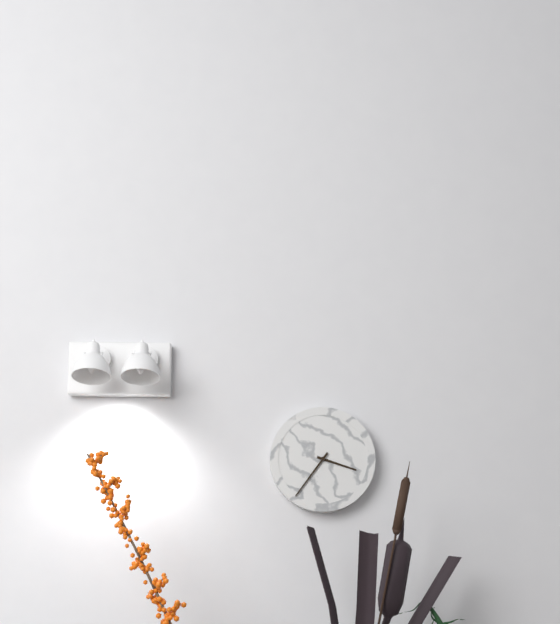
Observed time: 3:36
